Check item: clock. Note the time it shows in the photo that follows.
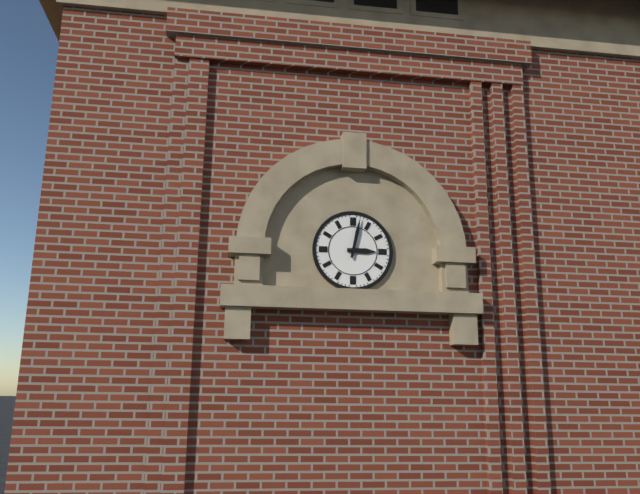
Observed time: 3:02
